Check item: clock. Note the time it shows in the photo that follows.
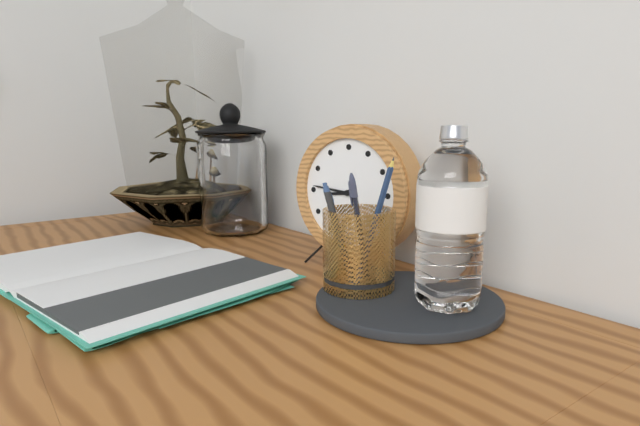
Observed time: 8:46
